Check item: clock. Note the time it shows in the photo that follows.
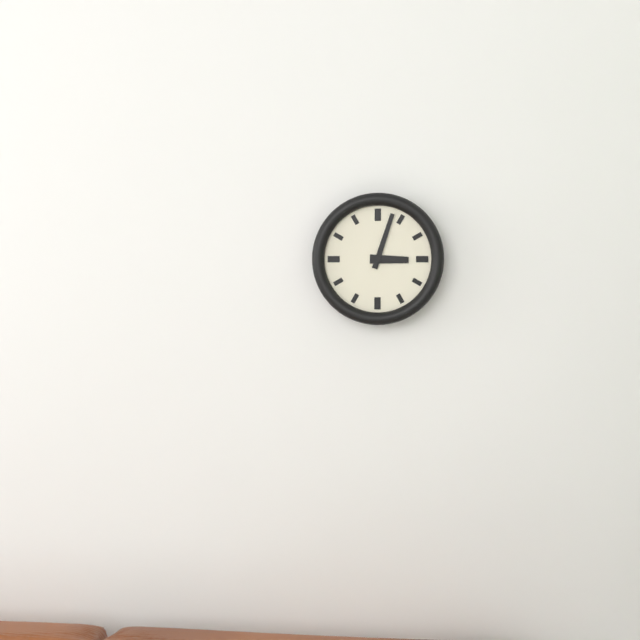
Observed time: 3:03
